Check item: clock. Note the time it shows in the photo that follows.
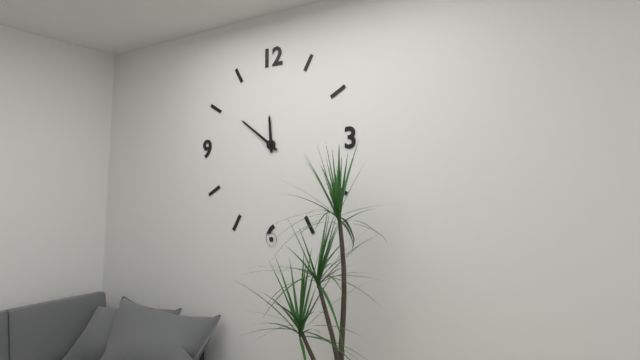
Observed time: 11:51
